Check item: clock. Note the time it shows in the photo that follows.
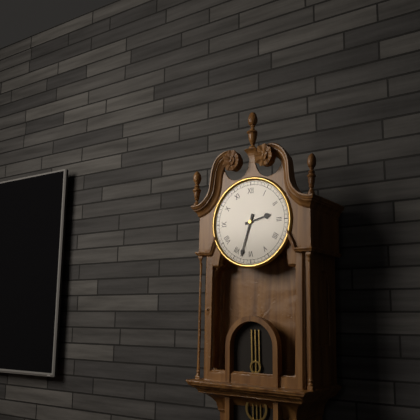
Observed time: 2:33
